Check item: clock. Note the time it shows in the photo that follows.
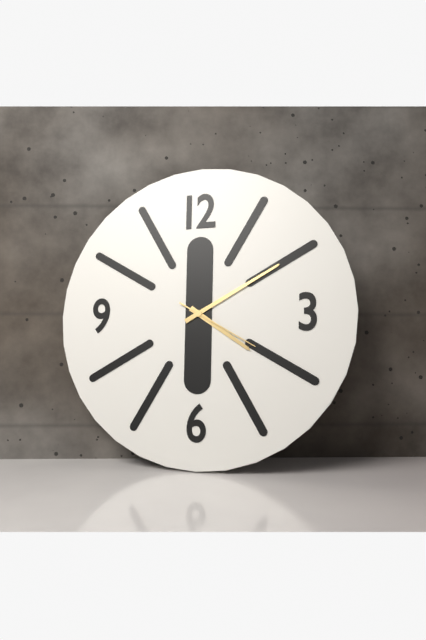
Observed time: 4:10:20
